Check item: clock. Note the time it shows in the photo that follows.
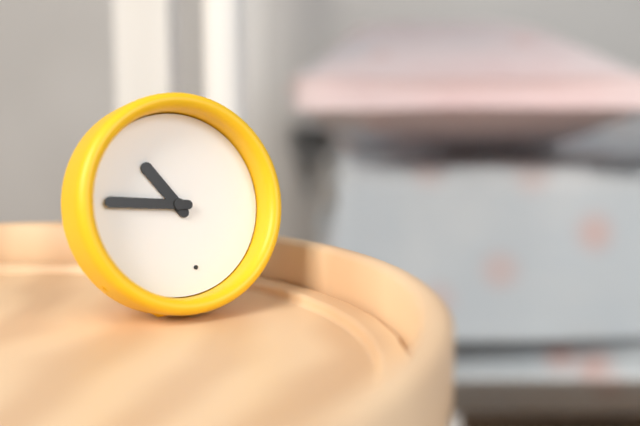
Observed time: 10:46
